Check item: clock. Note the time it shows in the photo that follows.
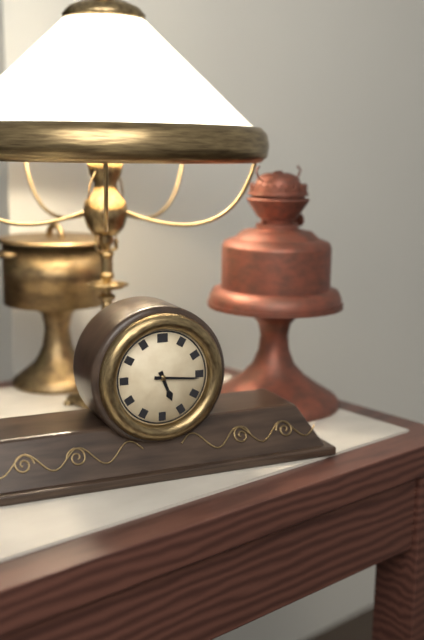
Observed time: 5:16
